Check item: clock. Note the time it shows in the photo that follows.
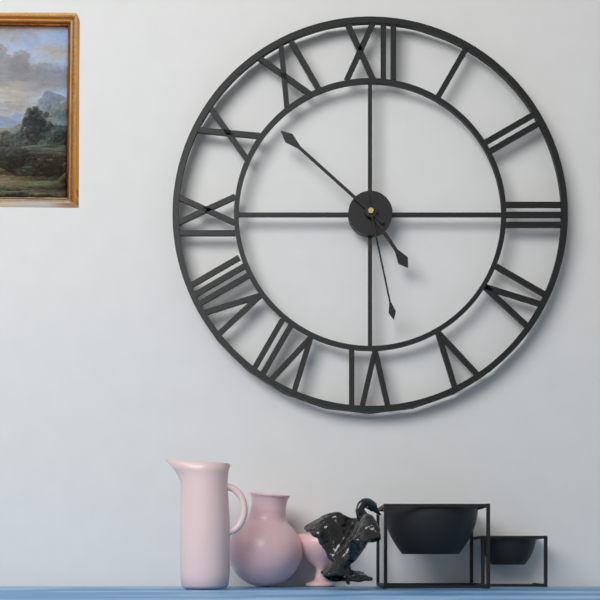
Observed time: 4:52:28
